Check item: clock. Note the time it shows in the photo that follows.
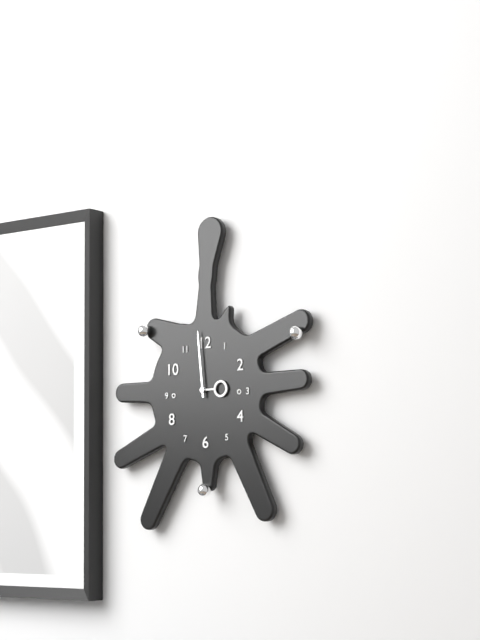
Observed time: 2:59
